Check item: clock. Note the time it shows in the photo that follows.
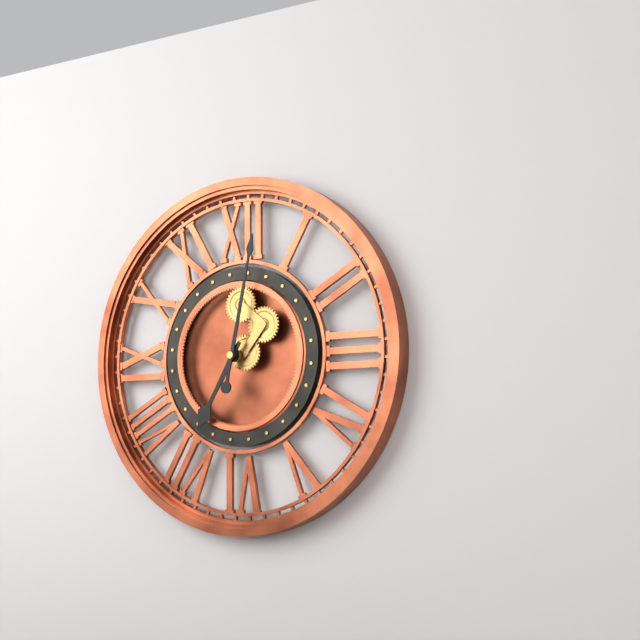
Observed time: 7:02
